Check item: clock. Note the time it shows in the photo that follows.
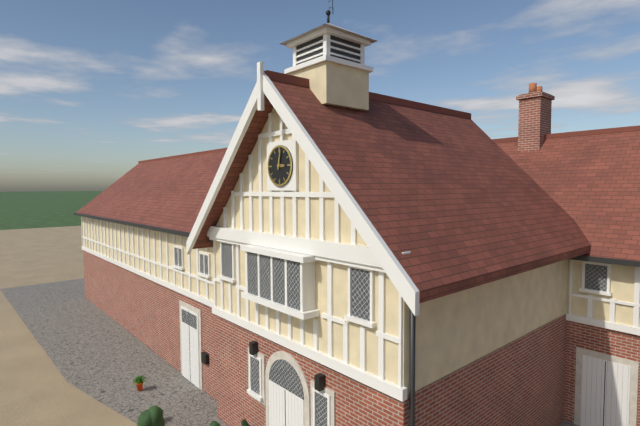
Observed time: 3:02
